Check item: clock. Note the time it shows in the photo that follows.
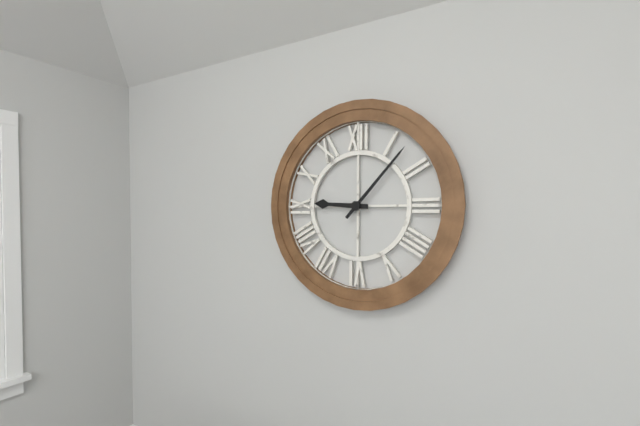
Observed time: 9:07
